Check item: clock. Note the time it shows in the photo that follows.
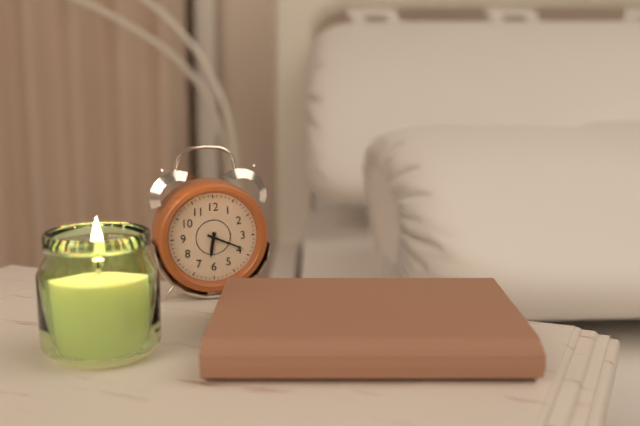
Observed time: 6:19
